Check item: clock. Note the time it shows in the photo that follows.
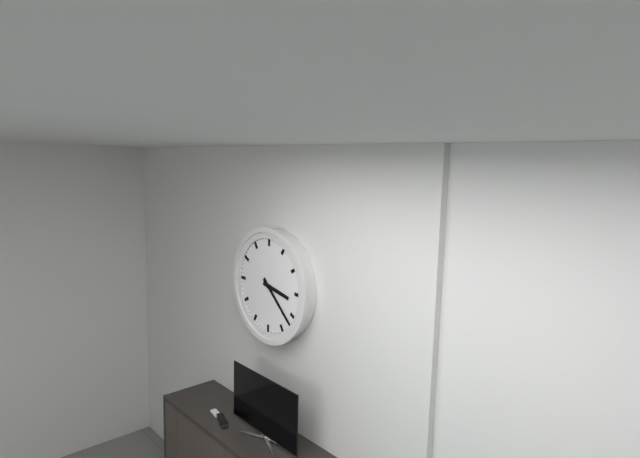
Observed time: 3:22
